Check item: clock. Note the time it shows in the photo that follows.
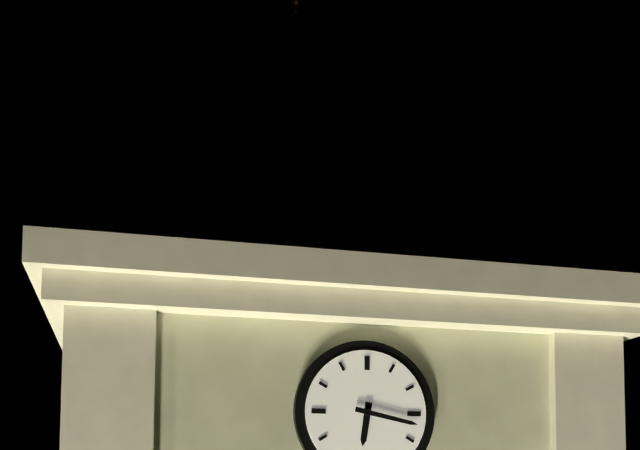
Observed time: 6:17
